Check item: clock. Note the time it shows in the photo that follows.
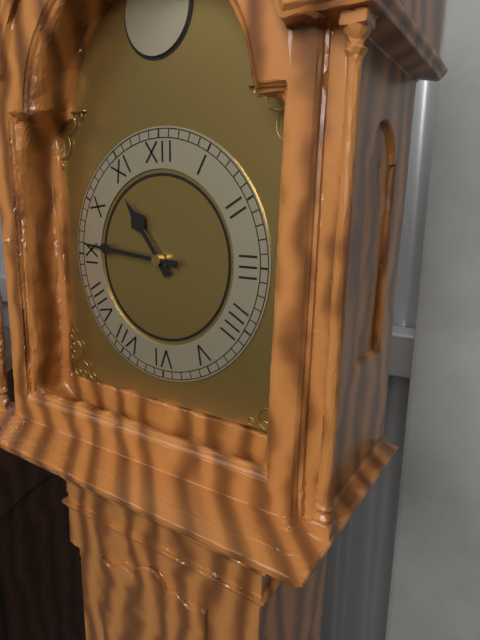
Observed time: 10:46
